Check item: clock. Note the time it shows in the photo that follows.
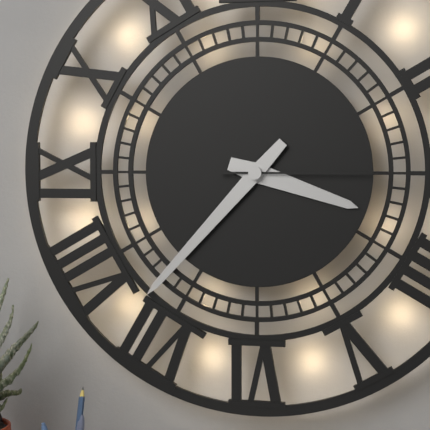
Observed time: 3:37:15
